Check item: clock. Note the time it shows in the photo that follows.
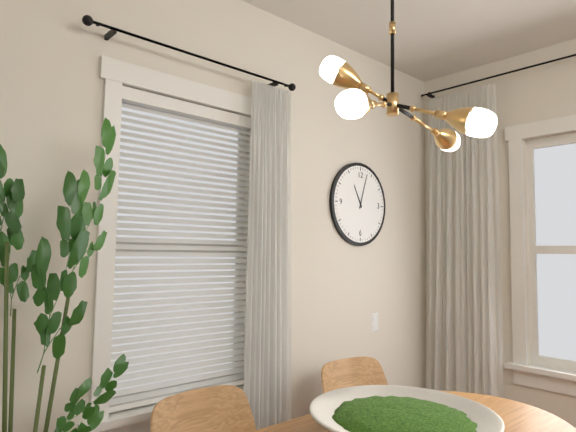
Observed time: 11:03
